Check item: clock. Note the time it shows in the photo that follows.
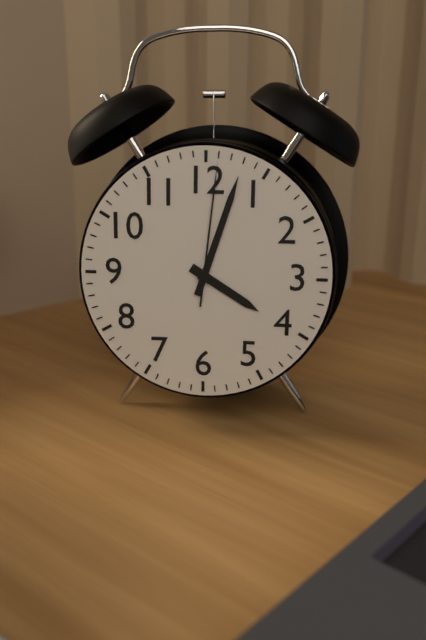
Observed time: 4:03:01
